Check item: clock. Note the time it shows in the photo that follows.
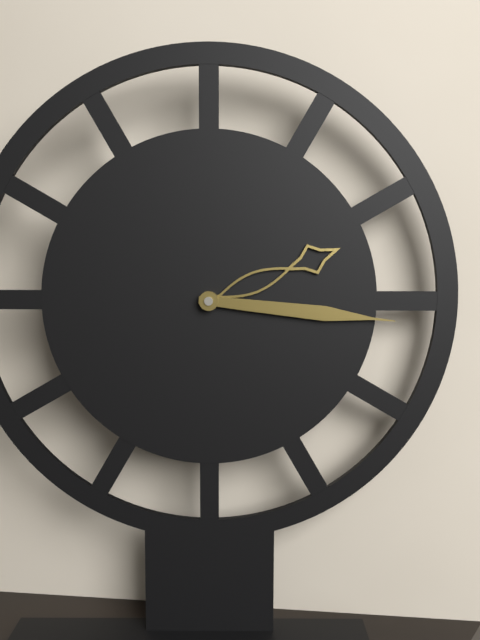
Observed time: 2:16
